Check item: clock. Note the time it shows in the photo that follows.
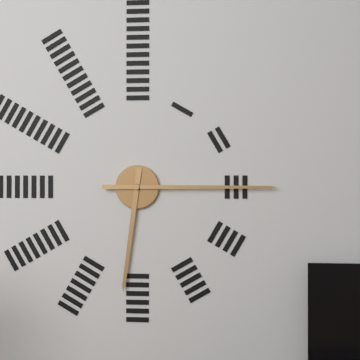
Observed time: 6:15
